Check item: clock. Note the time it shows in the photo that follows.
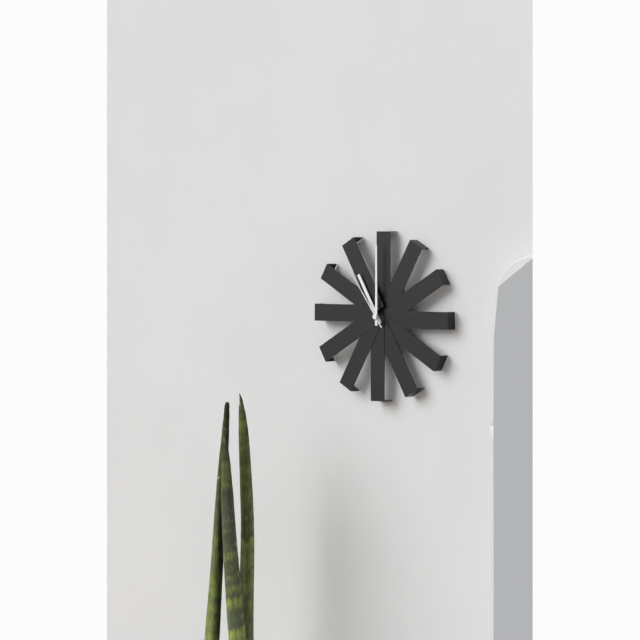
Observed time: 11:00:54
